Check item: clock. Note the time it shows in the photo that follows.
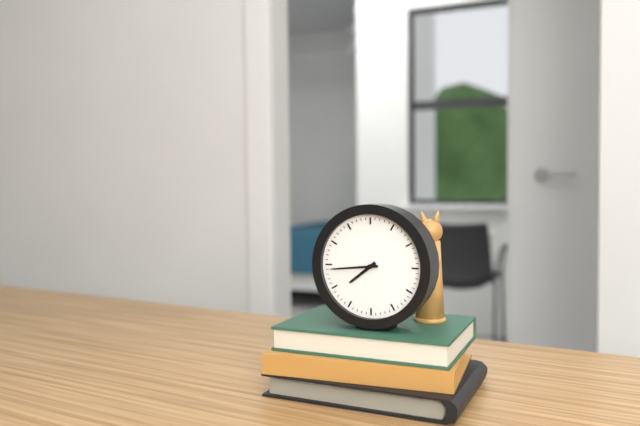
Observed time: 7:44
